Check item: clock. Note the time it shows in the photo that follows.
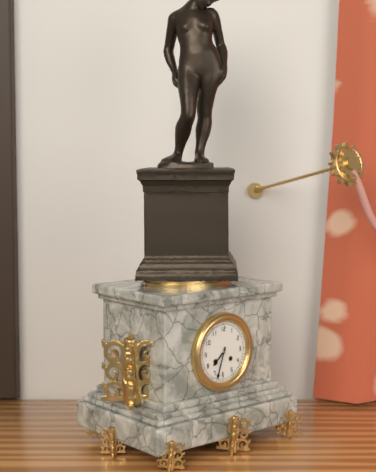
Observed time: 7:33
